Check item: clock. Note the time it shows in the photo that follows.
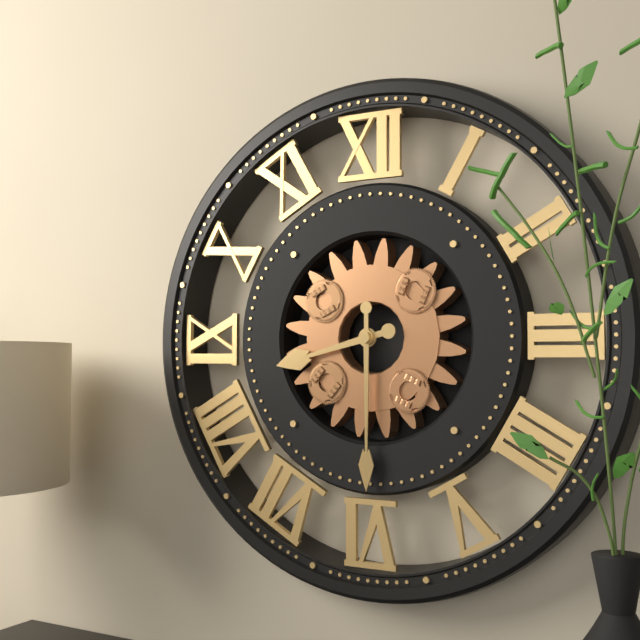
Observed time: 8:30
